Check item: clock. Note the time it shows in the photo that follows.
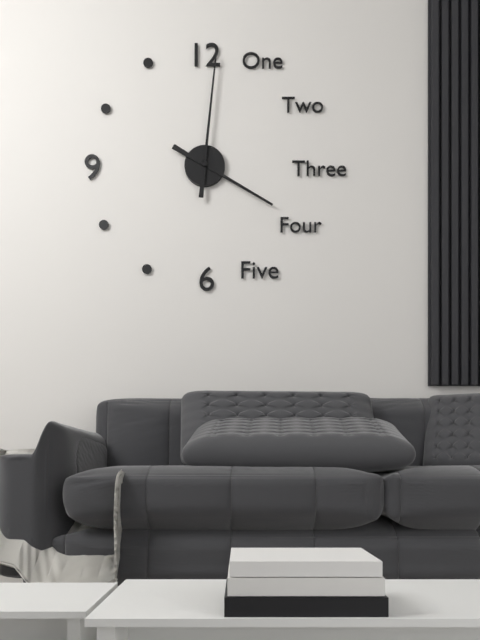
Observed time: 4:01
